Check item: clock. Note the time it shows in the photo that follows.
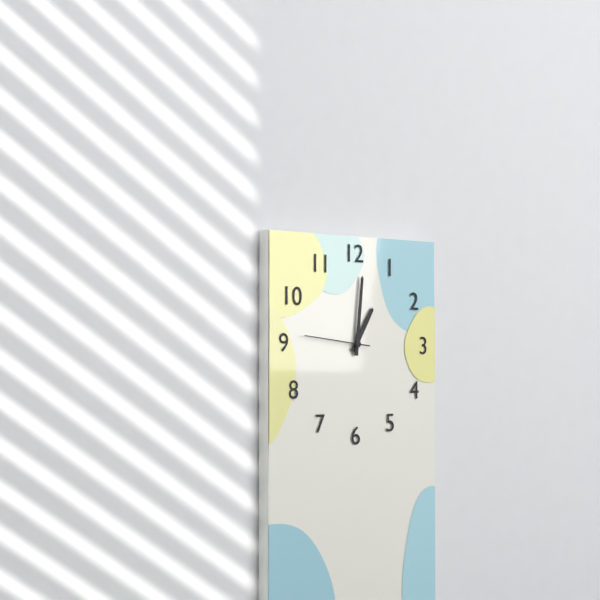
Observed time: 1:01:46
